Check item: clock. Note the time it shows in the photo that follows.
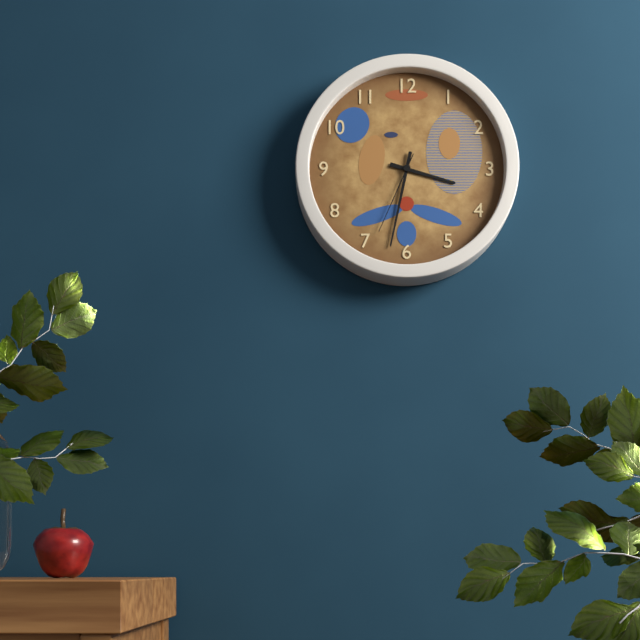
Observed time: 3:32:34
